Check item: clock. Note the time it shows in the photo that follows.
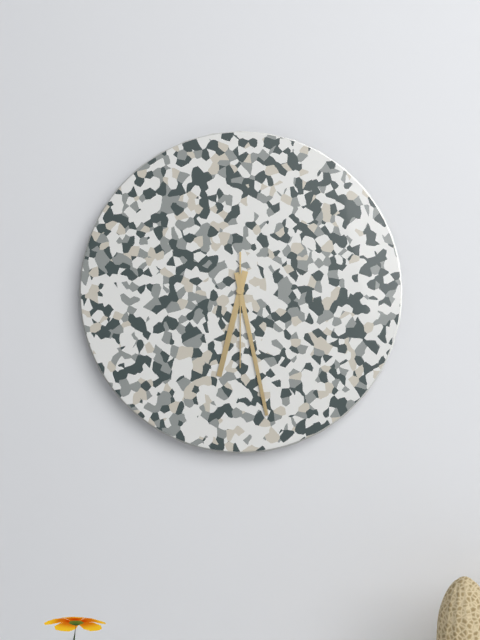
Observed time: 6:28:30
